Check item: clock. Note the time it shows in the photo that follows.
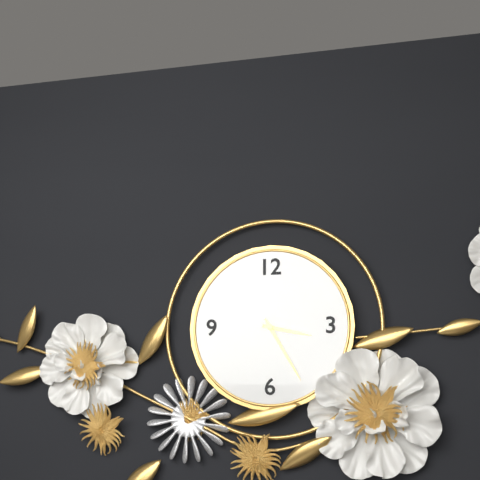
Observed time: 3:25
